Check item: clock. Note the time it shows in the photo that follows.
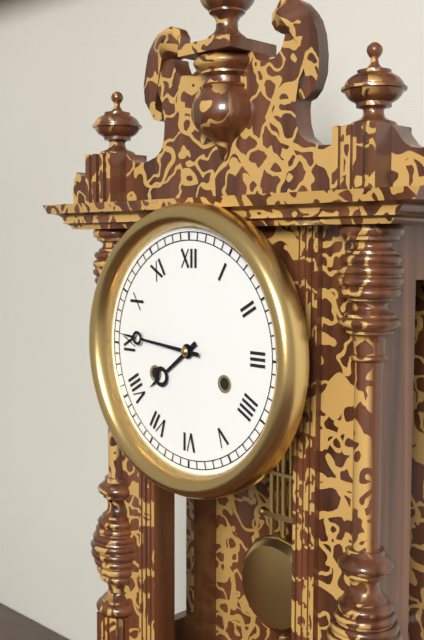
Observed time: 7:46
